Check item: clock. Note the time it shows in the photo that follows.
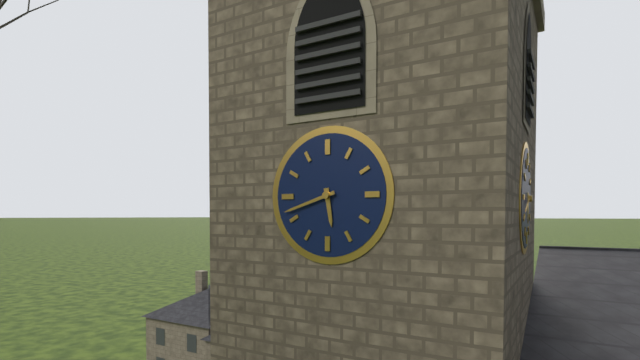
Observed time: 5:42
